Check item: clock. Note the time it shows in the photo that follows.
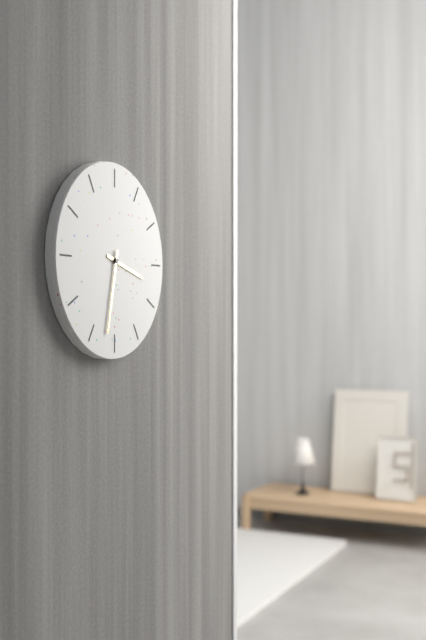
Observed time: 3:32
